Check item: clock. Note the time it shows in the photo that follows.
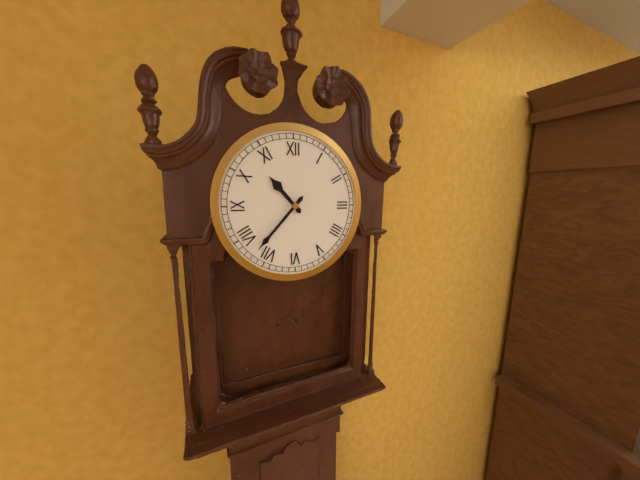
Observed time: 10:37
